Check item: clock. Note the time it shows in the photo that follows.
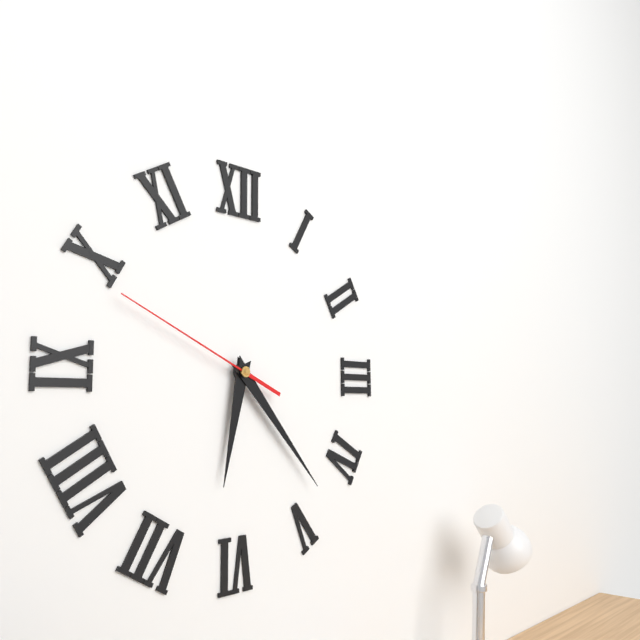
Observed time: 6:23:49
